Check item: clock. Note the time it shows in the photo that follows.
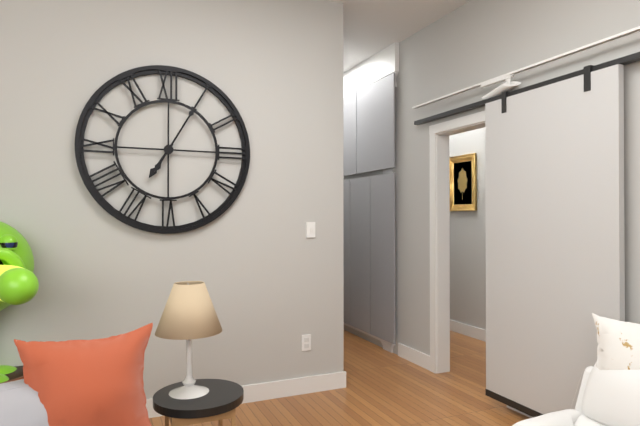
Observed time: 7:05
